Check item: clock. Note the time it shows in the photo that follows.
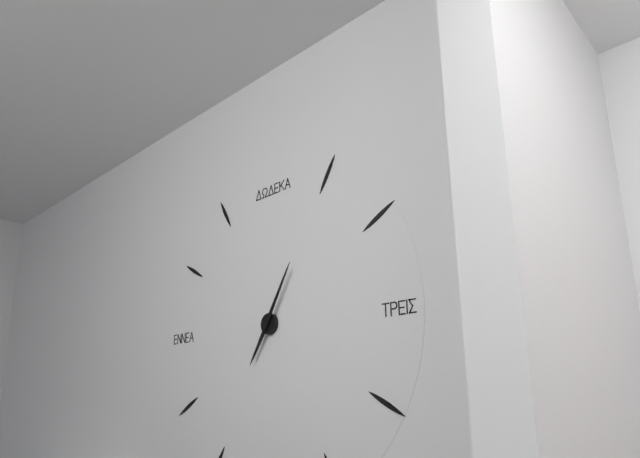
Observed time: 7:05
